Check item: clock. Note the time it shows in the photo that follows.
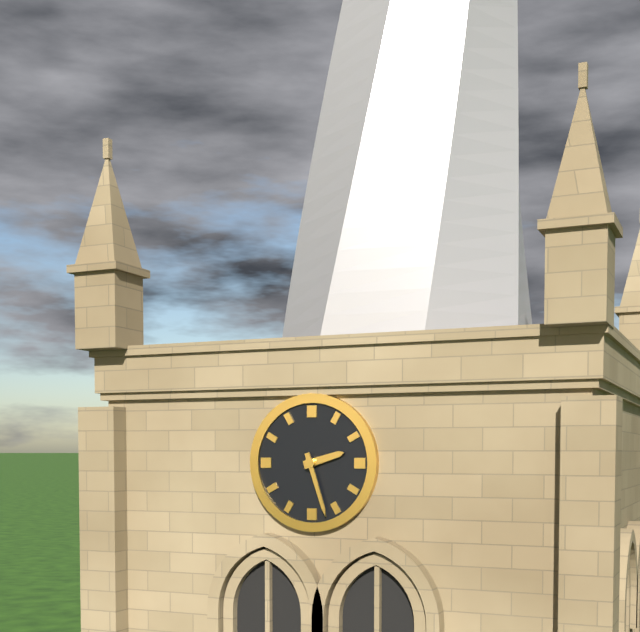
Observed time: 2:27
